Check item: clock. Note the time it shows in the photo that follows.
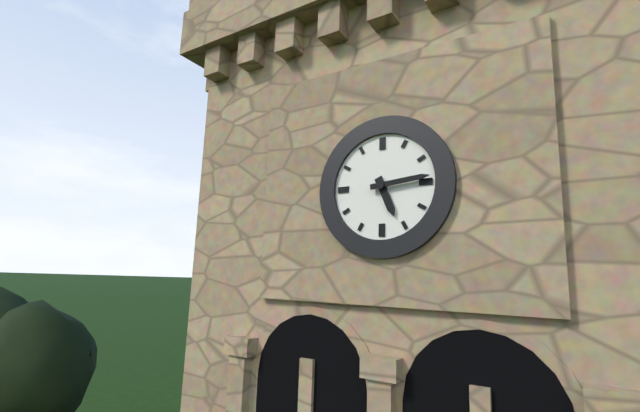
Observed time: 5:14
